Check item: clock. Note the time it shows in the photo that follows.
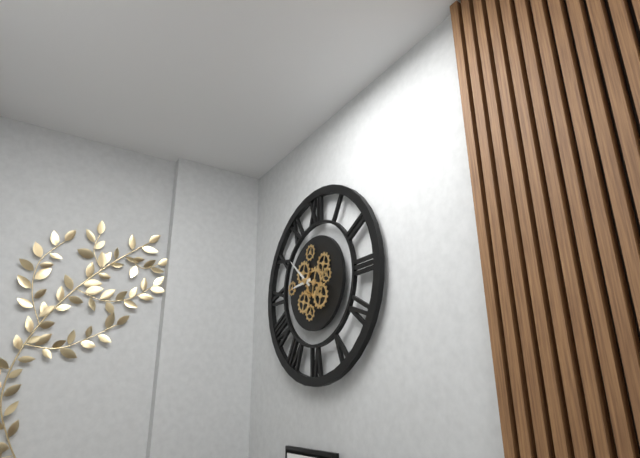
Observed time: 8:52
